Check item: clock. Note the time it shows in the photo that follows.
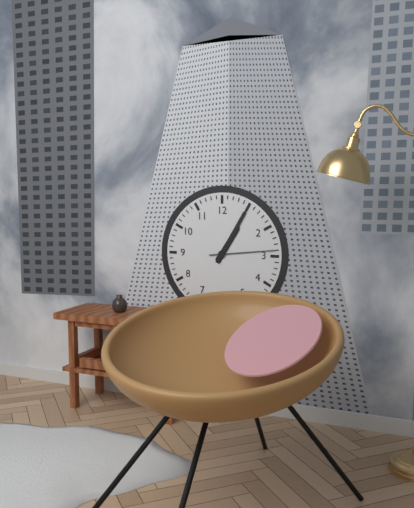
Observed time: 1:05:14
